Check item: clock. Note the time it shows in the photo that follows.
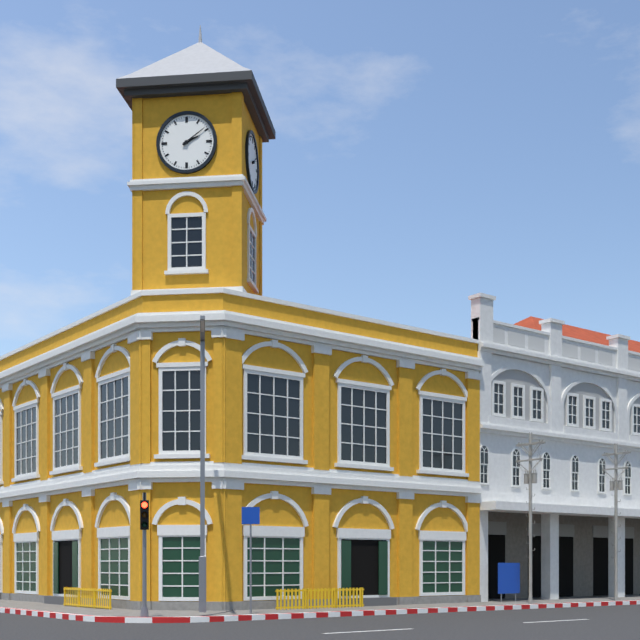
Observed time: 2:09
